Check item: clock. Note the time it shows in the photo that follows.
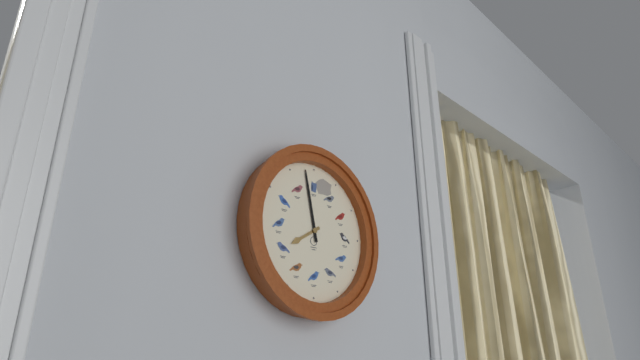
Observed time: 7:58
